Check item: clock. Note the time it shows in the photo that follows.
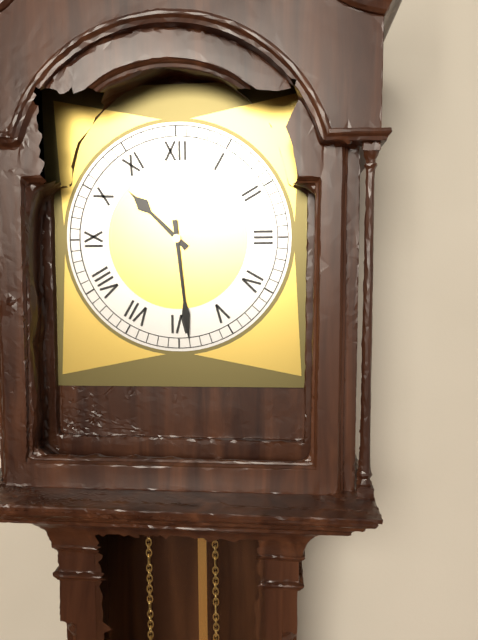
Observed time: 10:29
